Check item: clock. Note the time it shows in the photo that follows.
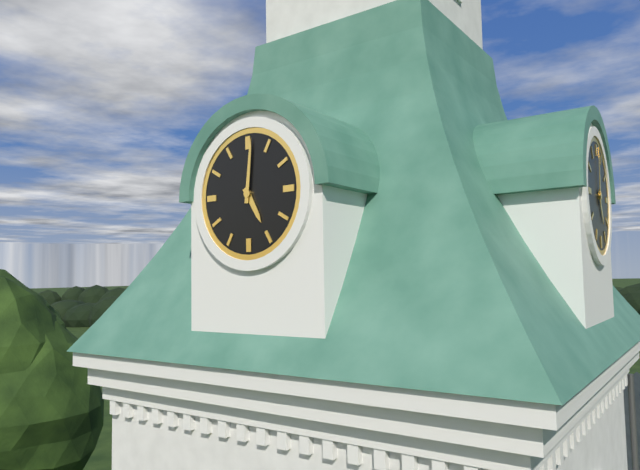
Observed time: 5:01
